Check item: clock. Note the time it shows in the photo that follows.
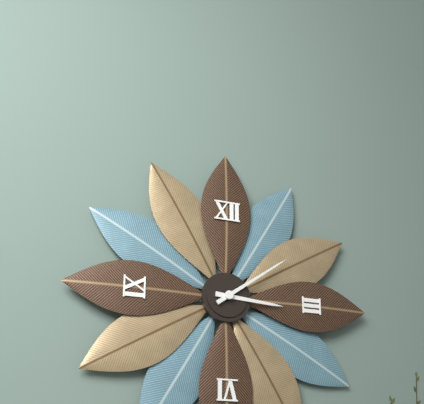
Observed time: 3:09
